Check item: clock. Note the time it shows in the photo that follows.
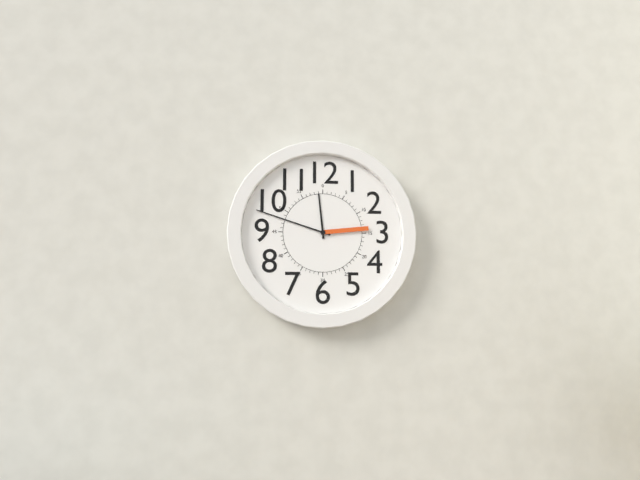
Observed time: 11:48:14
